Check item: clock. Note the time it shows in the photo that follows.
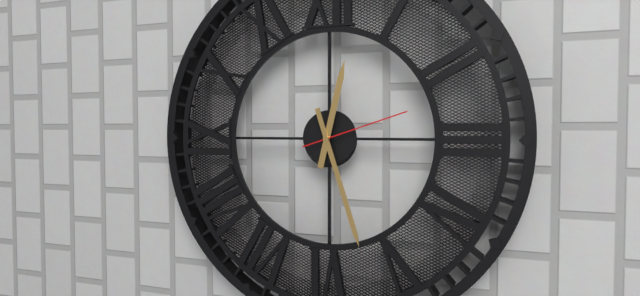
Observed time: 12:27:12
